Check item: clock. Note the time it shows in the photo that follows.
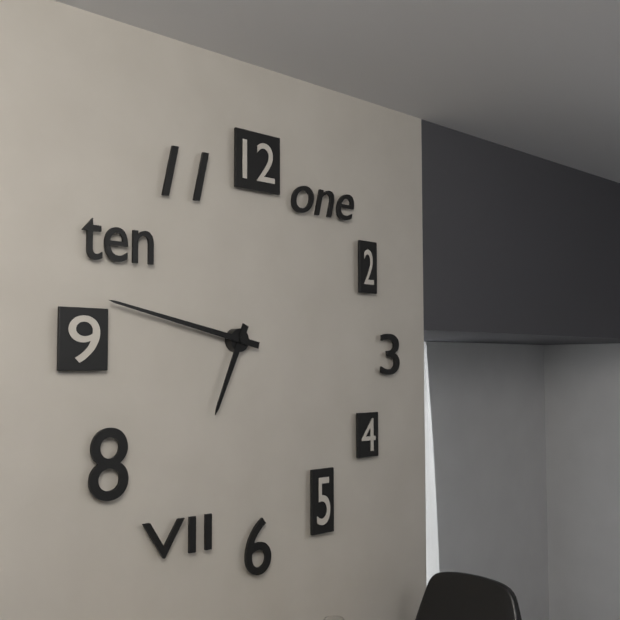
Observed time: 6:47
